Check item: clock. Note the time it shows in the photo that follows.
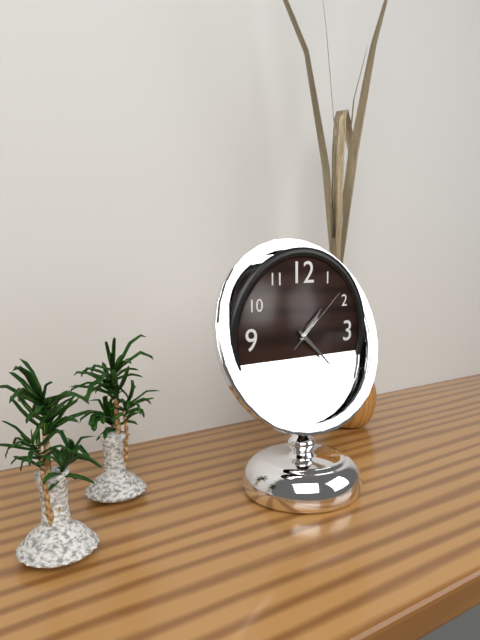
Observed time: 1:22:08
